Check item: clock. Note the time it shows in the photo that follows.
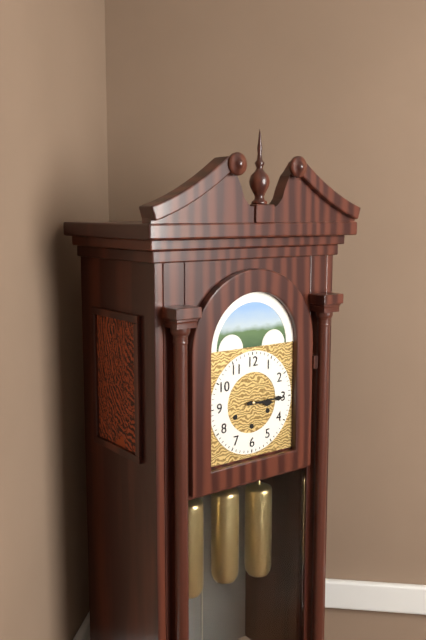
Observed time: 3:15
